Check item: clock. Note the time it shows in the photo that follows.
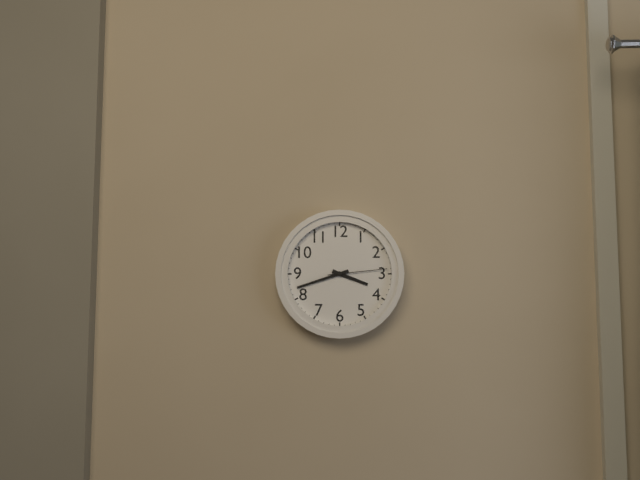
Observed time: 3:42:14
